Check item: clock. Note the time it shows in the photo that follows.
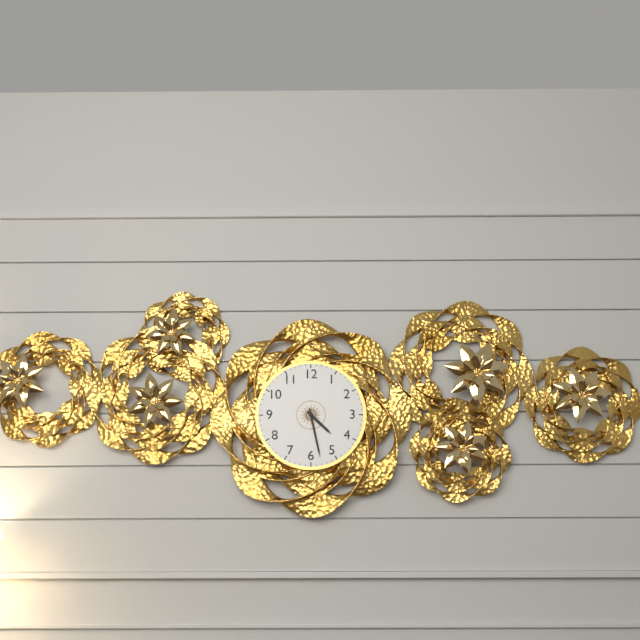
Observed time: 4:28
